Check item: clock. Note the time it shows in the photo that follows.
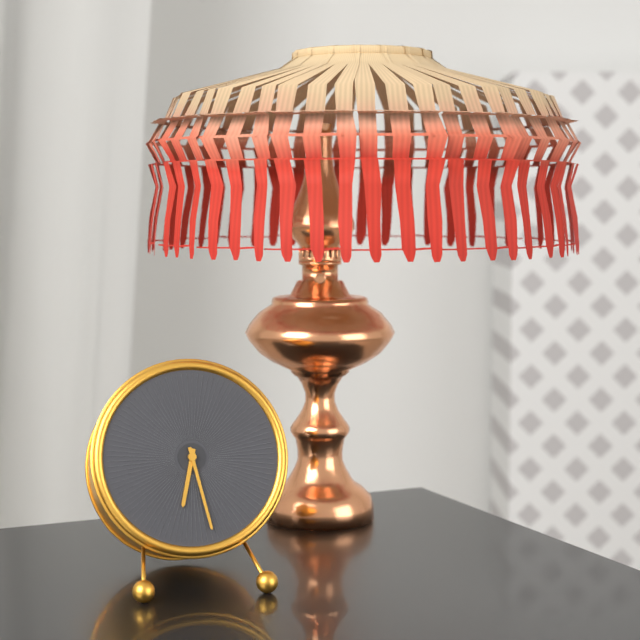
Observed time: 6:28
